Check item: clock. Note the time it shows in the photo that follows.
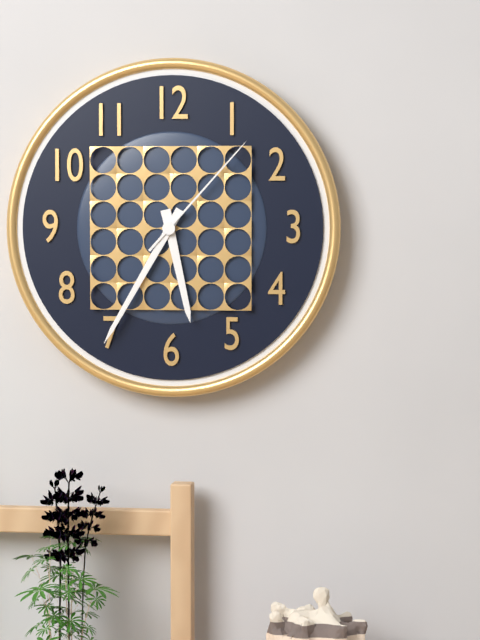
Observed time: 5:35:07
